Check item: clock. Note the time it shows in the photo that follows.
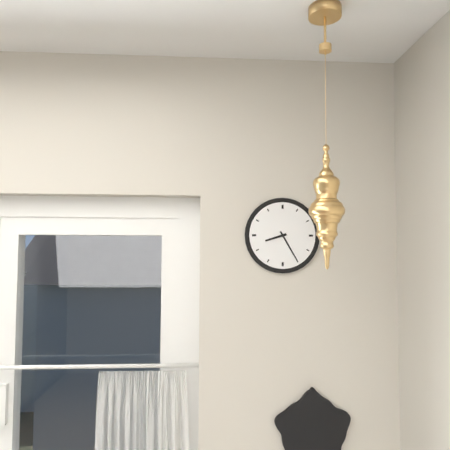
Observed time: 8:25
